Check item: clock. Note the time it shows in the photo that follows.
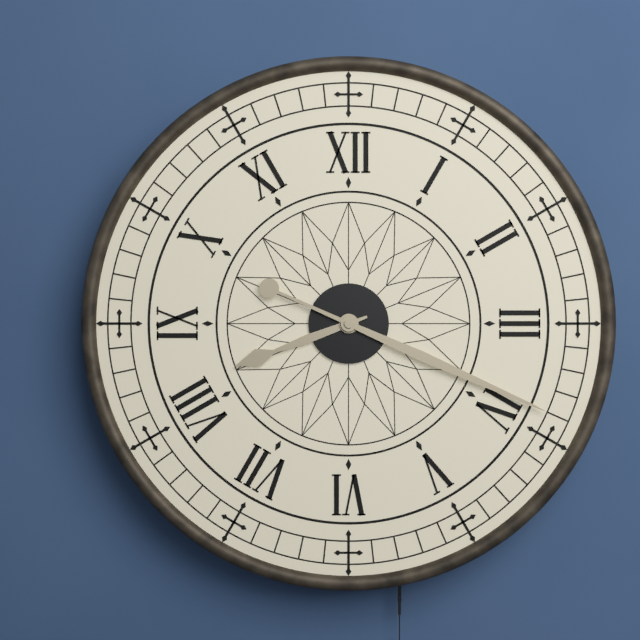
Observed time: 8:19
